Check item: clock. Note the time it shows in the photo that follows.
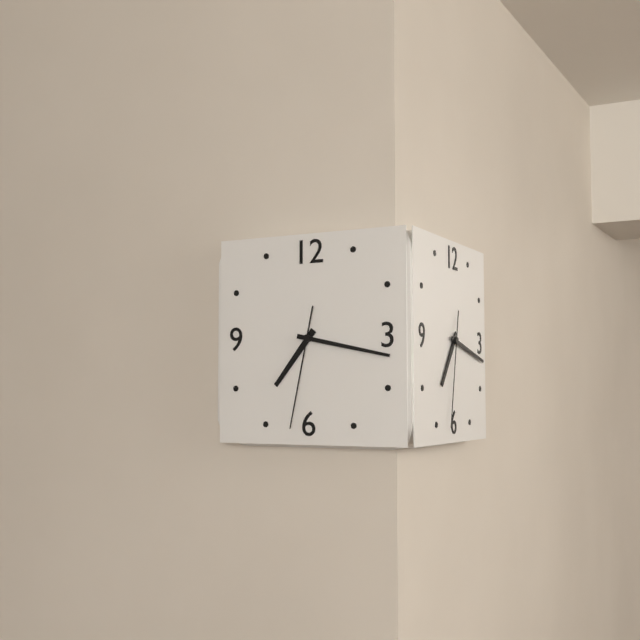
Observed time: 7:17:32
